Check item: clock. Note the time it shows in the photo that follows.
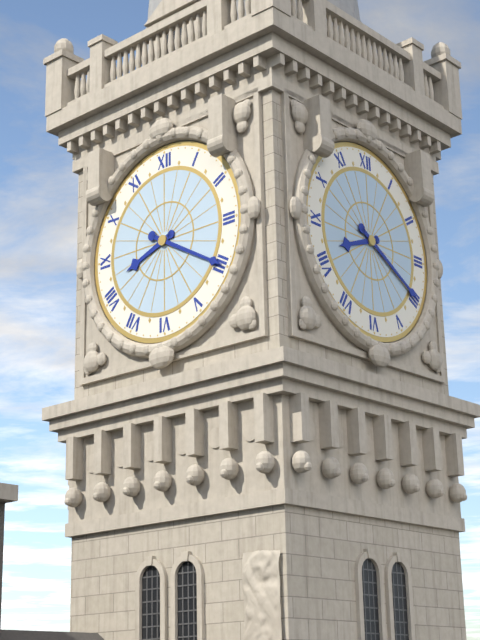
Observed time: 8:20
